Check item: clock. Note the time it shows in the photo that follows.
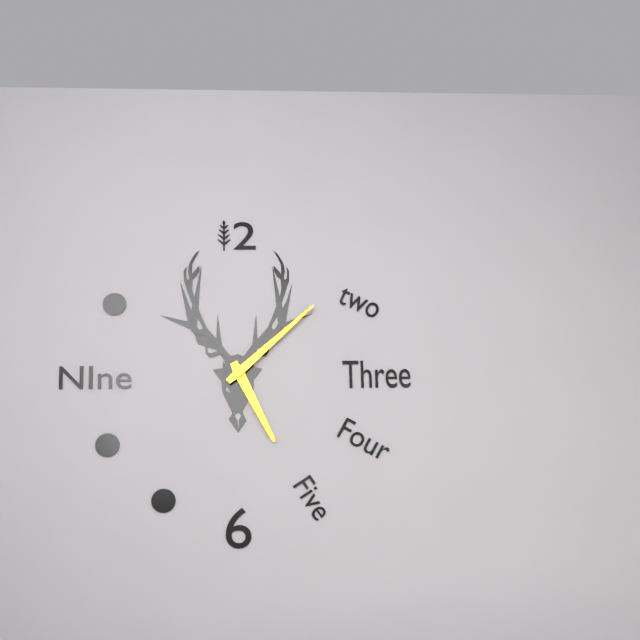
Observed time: 5:08
